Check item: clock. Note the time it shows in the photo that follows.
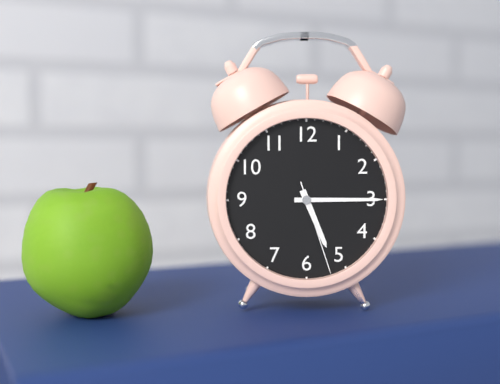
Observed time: 5:15:27
